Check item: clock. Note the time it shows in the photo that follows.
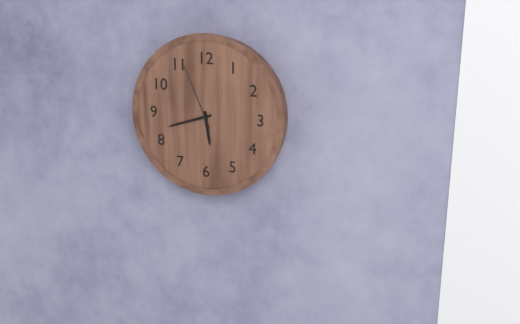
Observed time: 5:42:56
